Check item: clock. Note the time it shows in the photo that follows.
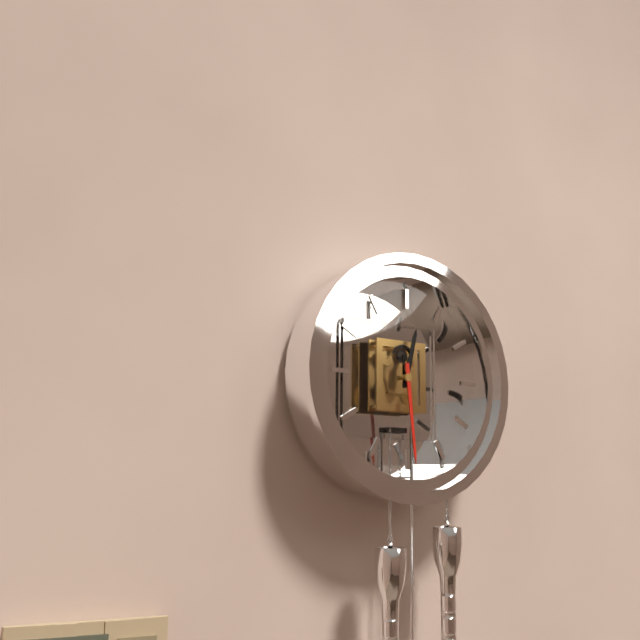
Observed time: 12:29
